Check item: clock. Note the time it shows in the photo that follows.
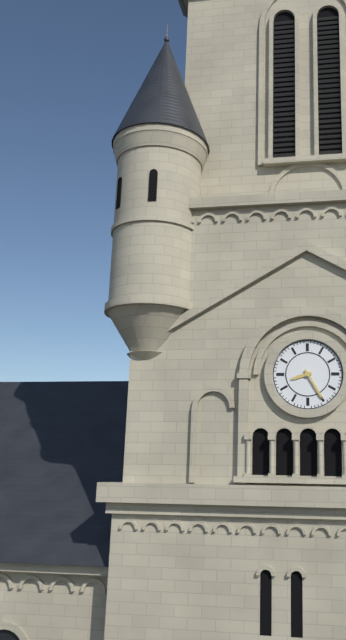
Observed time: 8:25
